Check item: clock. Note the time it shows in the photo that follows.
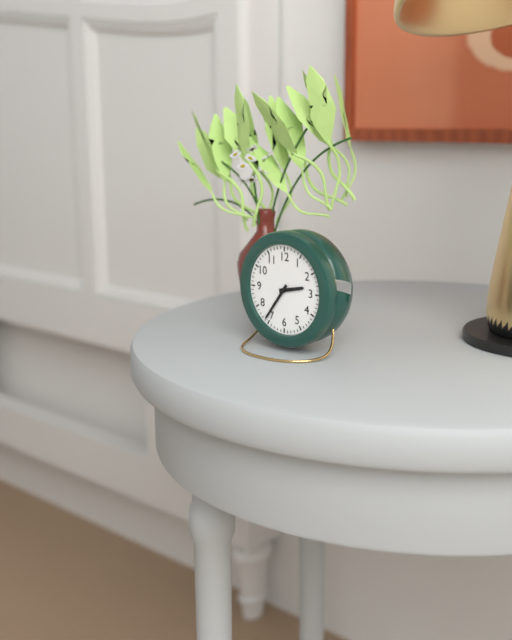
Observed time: 2:36
